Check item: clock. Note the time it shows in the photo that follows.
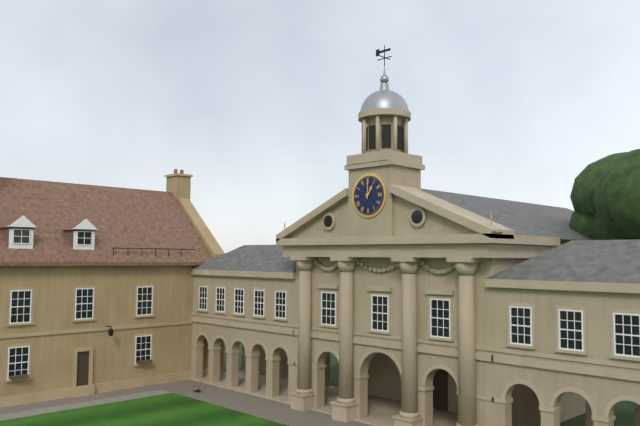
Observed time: 1:00
